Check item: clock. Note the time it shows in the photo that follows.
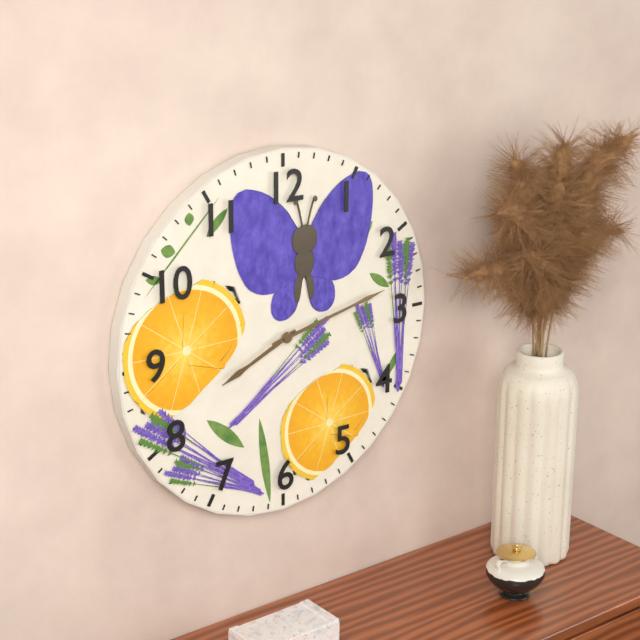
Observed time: 8:13
